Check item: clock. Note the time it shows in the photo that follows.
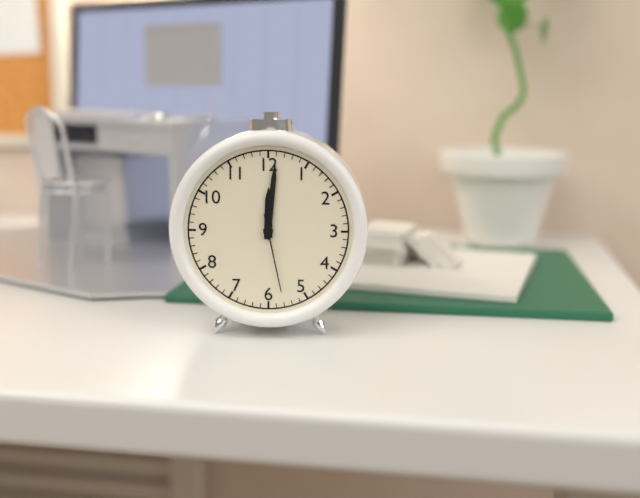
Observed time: 12:01:28
